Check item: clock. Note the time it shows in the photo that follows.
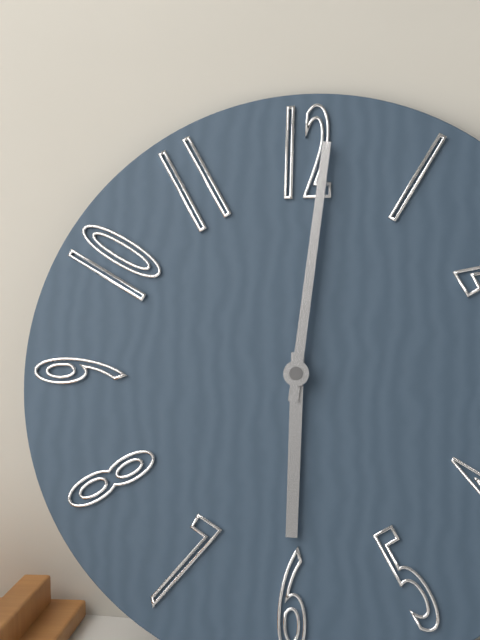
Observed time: 6:01
